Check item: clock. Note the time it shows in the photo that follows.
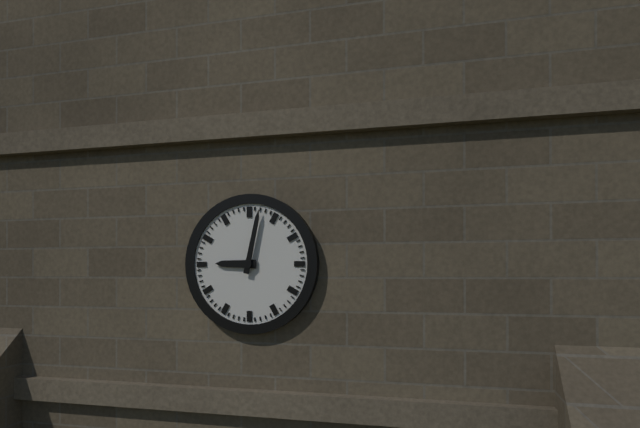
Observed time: 9:02
